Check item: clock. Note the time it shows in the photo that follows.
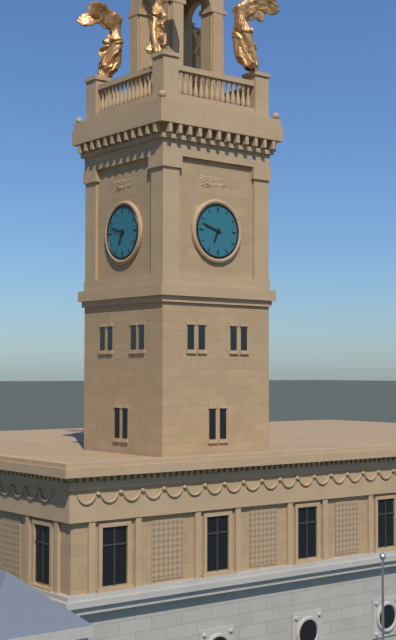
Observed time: 6:48
